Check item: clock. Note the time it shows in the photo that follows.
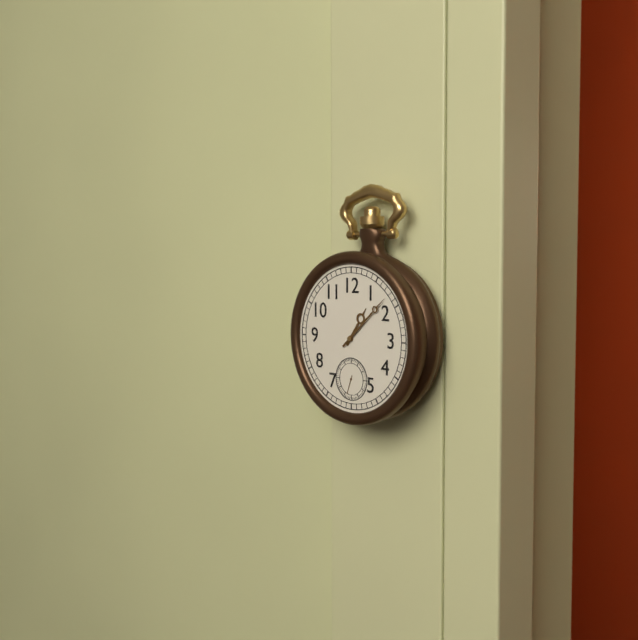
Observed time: 1:08
